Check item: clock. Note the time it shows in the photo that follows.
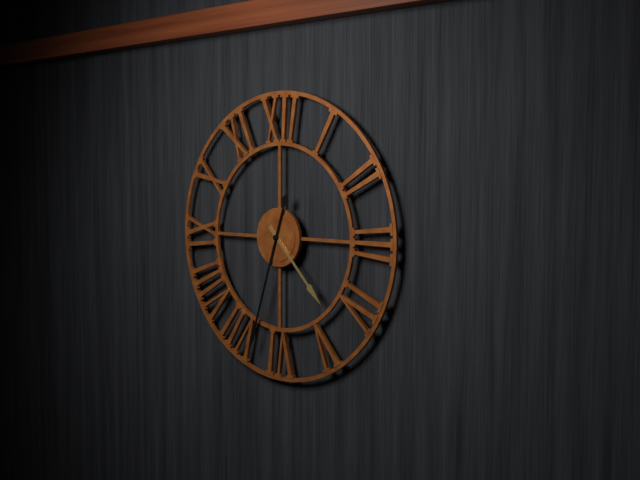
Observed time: 4:33
